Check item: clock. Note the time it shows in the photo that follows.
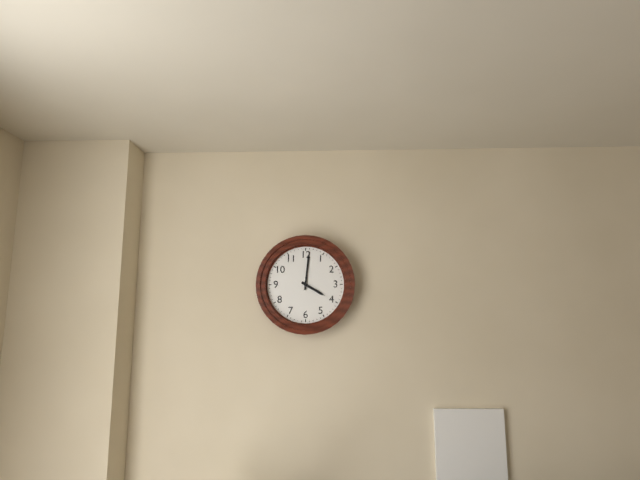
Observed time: 4:01
